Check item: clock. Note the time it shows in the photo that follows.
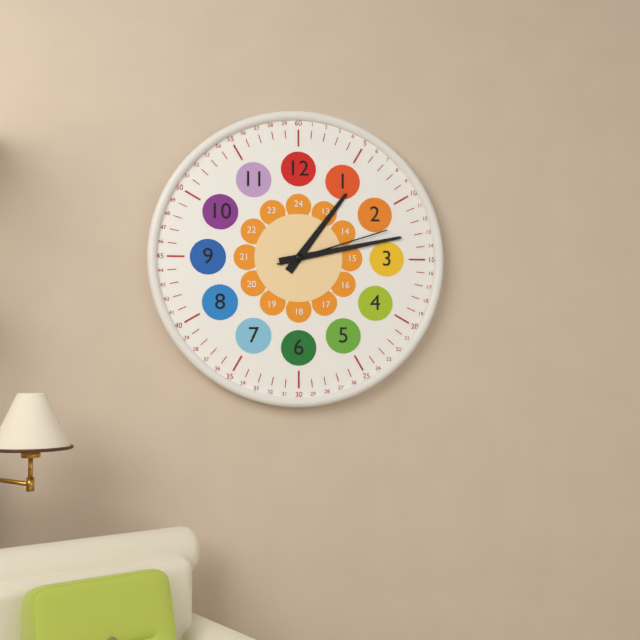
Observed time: 1:13:12
